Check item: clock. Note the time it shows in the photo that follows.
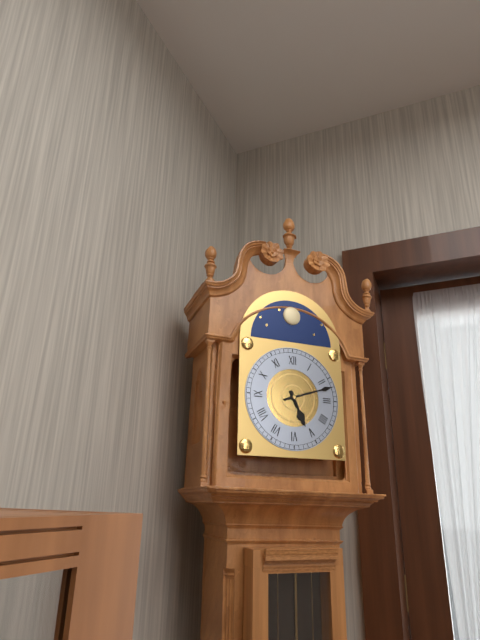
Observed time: 5:12
